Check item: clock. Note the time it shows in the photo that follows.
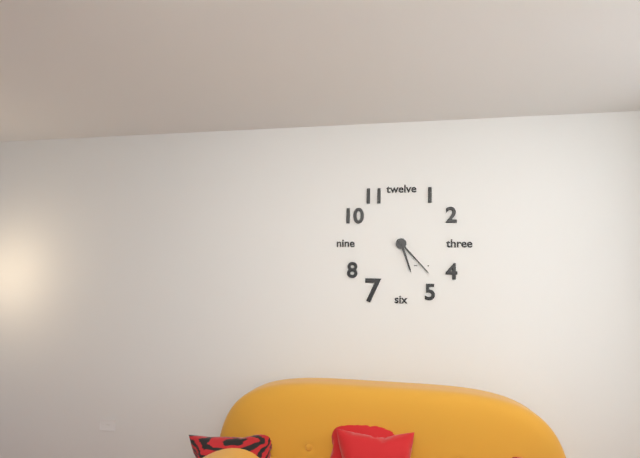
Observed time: 5:23
